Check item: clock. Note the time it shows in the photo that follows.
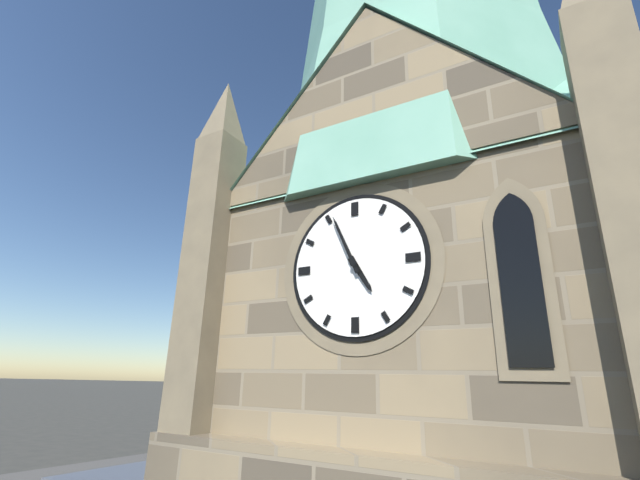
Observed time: 4:56
